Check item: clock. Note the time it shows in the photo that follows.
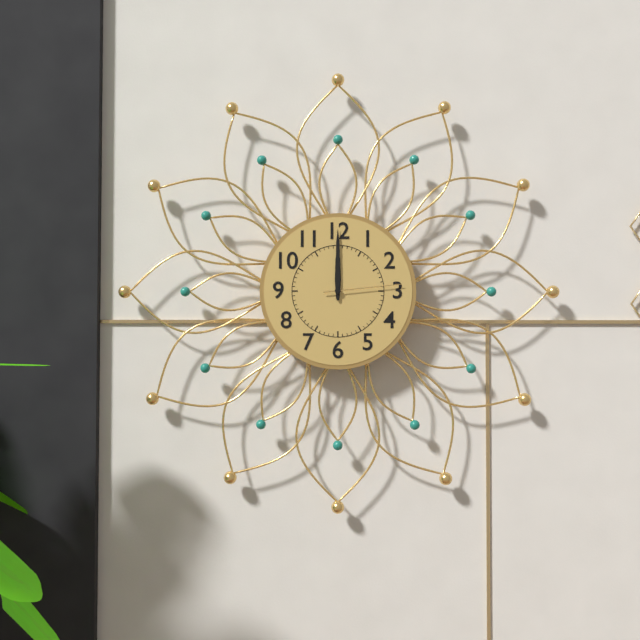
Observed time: 12:00:14
